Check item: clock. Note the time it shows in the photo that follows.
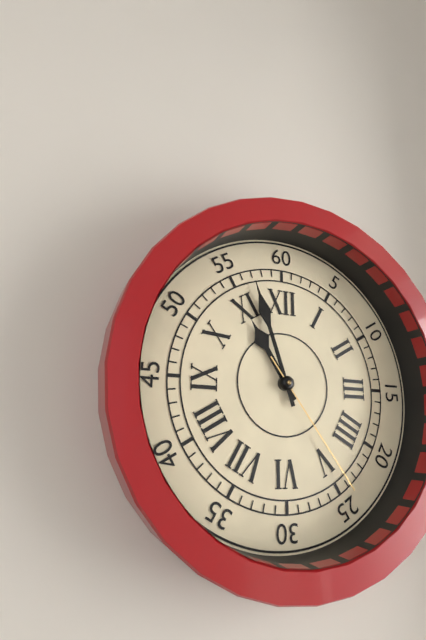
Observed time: 10:57:24
